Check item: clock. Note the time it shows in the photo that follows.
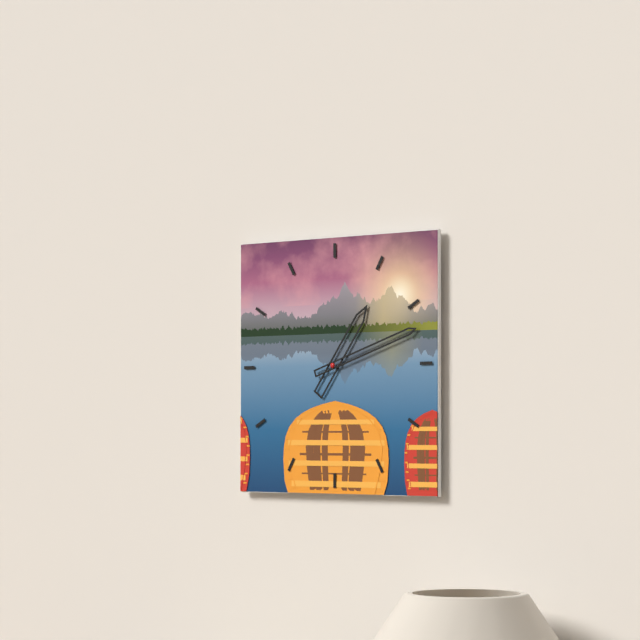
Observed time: 1:12
